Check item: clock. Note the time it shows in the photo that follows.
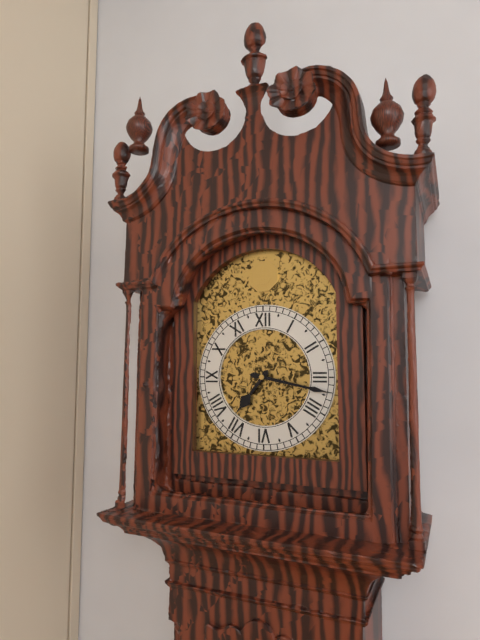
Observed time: 7:17
